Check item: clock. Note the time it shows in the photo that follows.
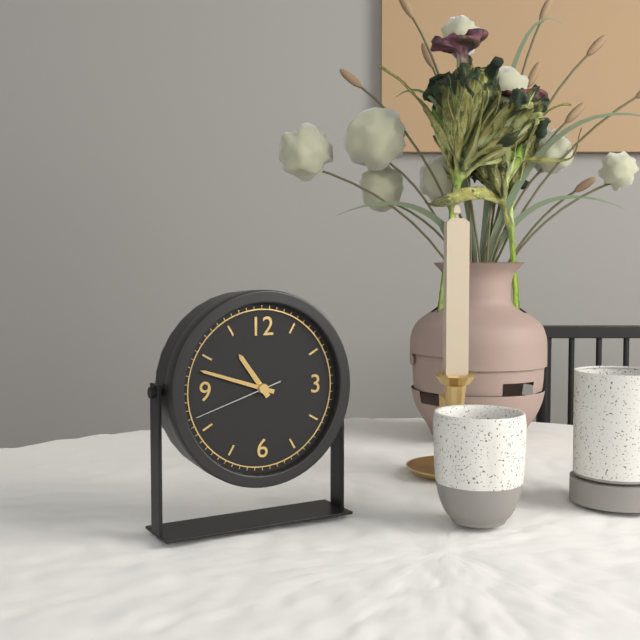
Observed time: 10:48:42
